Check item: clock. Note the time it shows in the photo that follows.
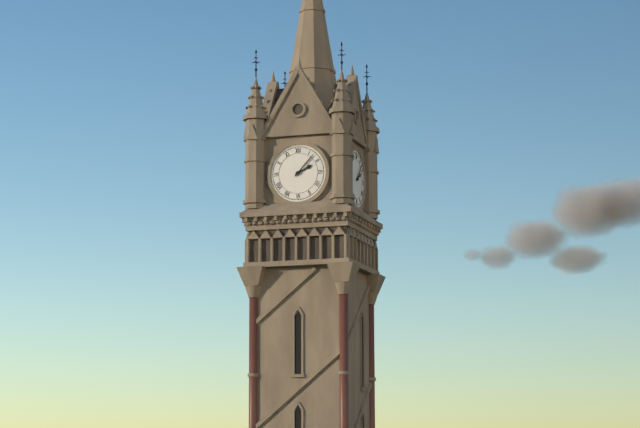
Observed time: 2:07
